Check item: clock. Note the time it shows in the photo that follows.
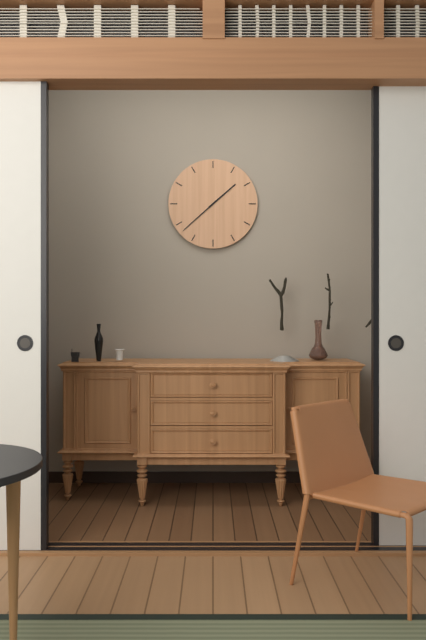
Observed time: 1:38
